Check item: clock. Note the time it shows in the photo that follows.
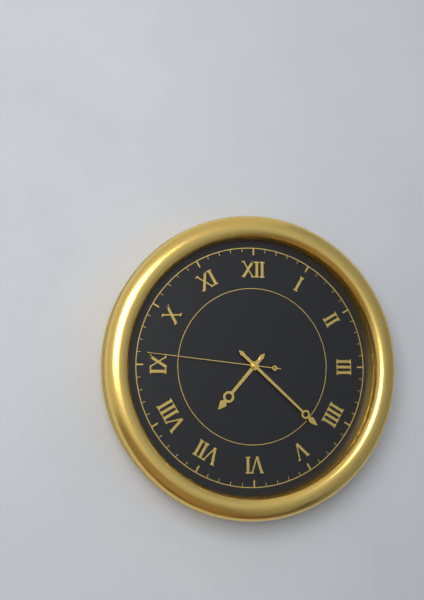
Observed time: 7:22:46
